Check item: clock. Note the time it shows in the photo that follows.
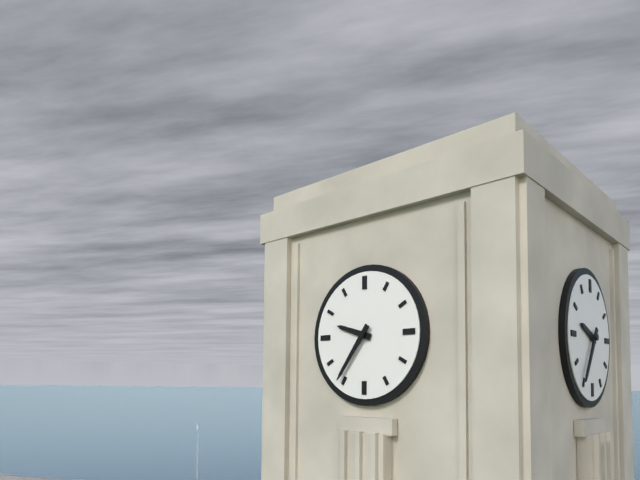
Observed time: 9:36
